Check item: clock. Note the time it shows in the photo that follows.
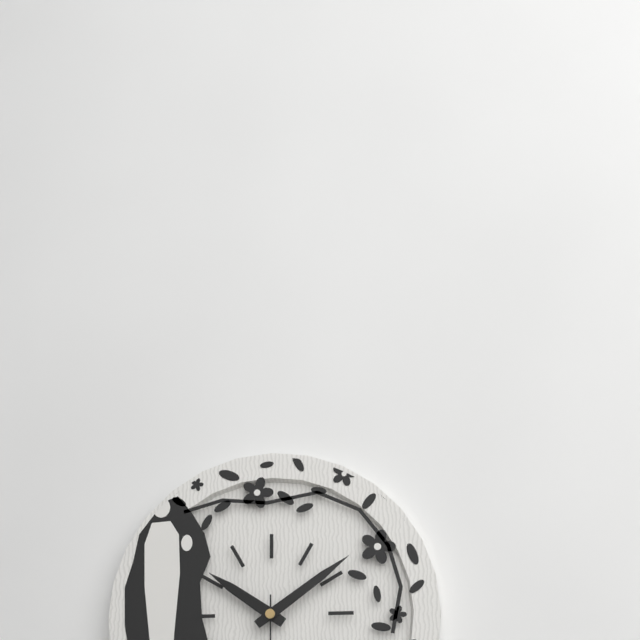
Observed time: 10:09
